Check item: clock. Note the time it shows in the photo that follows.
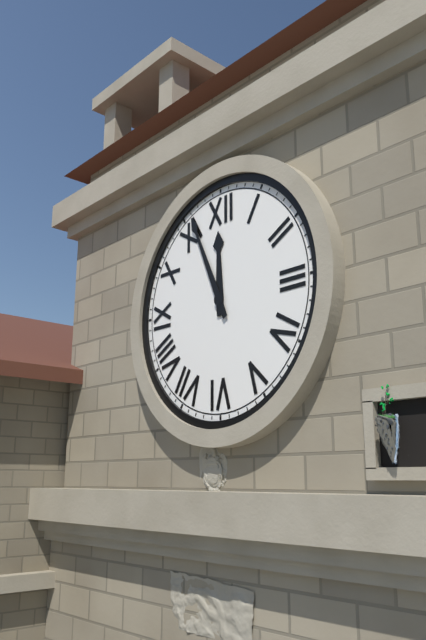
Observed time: 11:56
